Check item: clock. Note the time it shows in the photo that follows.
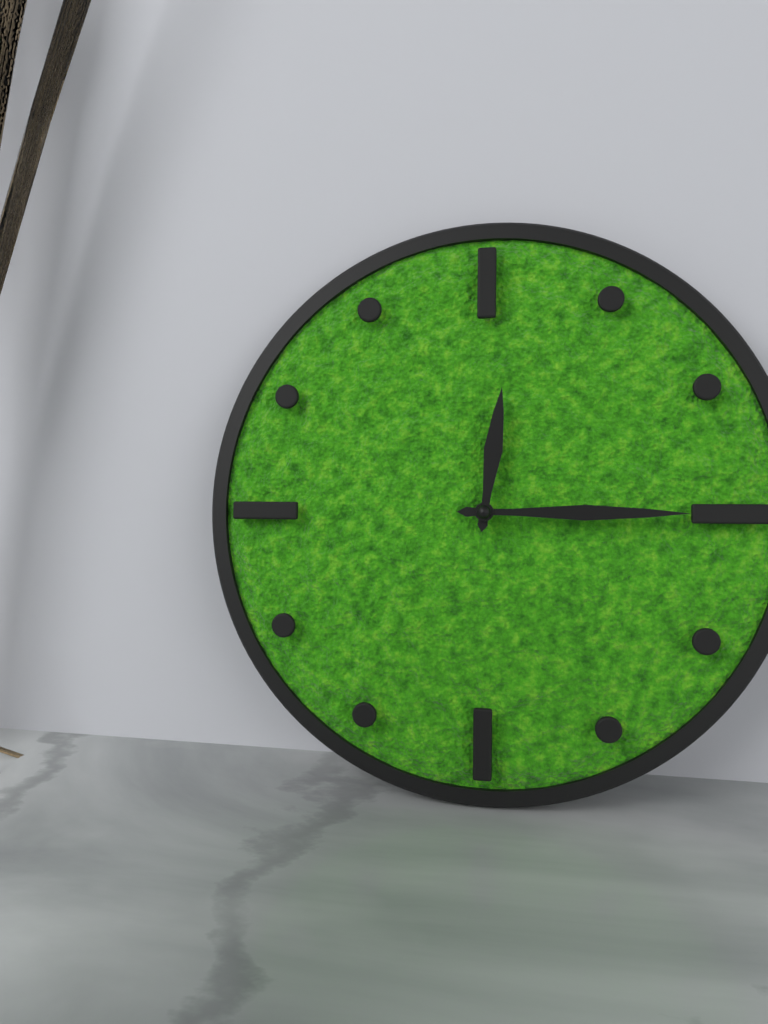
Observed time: 12:15
